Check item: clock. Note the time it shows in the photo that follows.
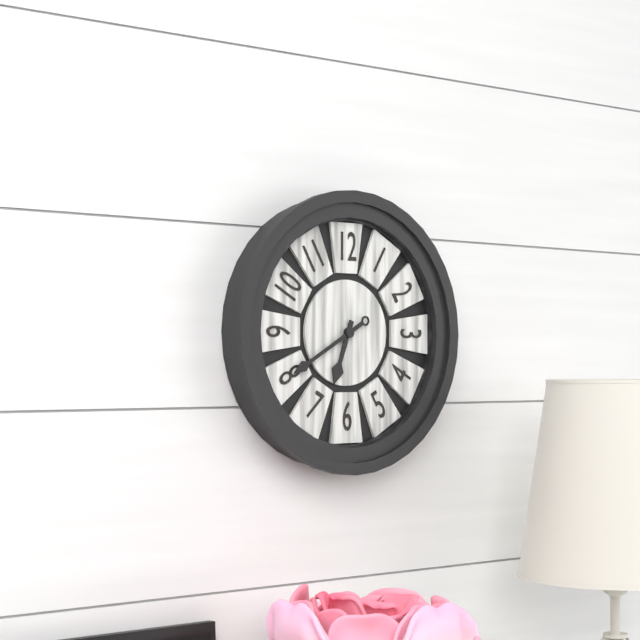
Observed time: 6:40
